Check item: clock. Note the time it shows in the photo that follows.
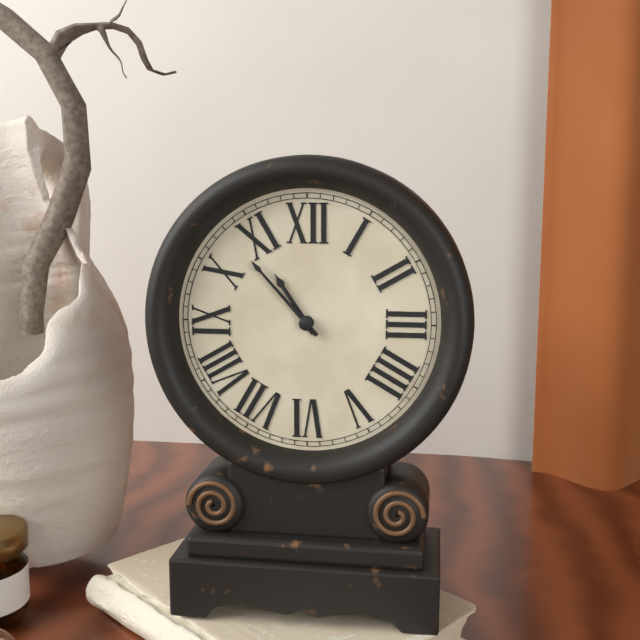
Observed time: 10:53
